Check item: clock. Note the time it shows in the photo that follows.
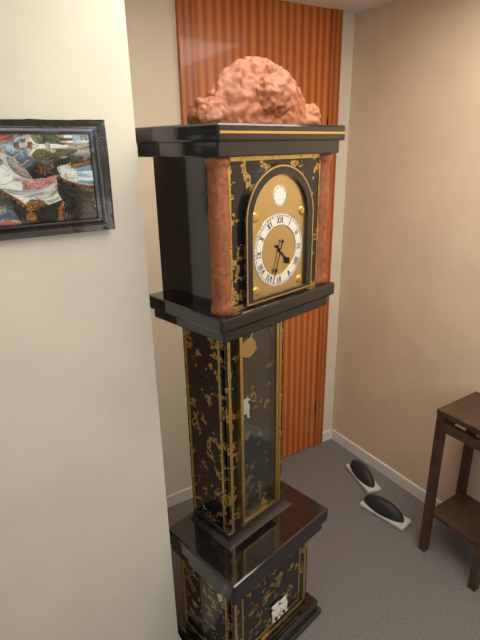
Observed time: 4:33
